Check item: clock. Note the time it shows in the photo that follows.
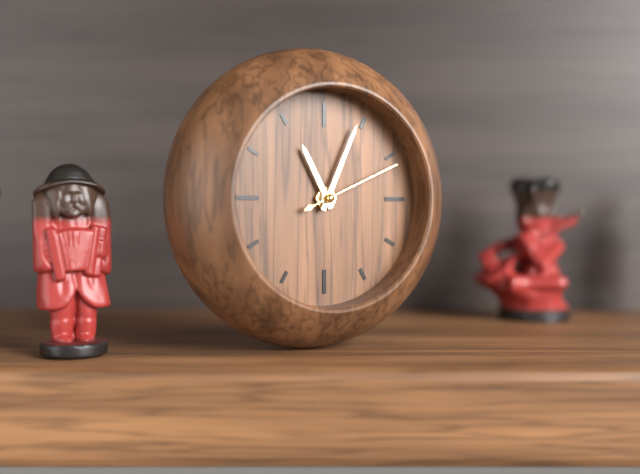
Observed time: 11:04:11
